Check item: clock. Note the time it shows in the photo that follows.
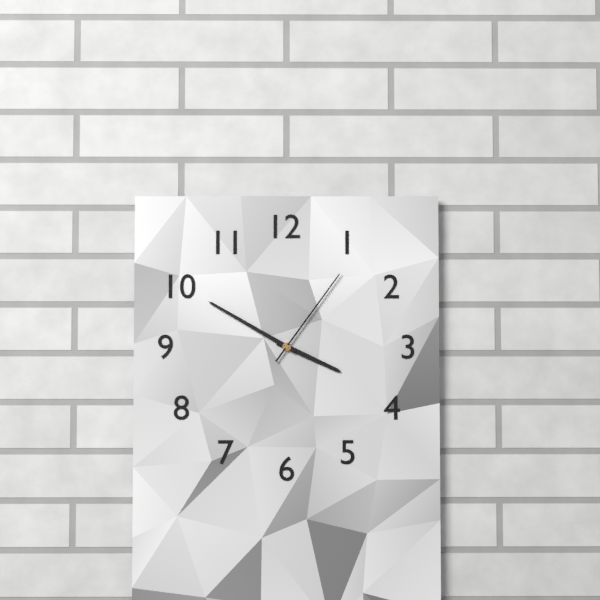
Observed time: 3:50:06
